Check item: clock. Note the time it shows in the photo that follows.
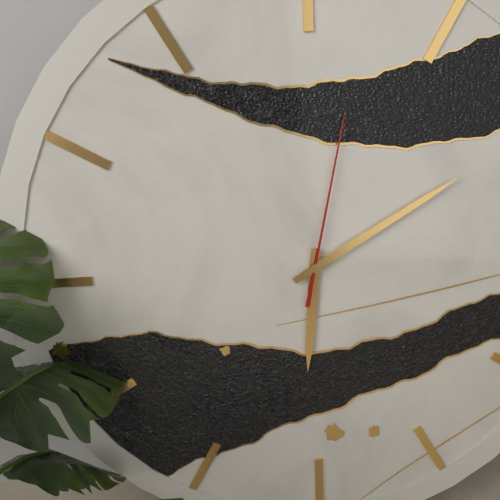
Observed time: 6:10:02
